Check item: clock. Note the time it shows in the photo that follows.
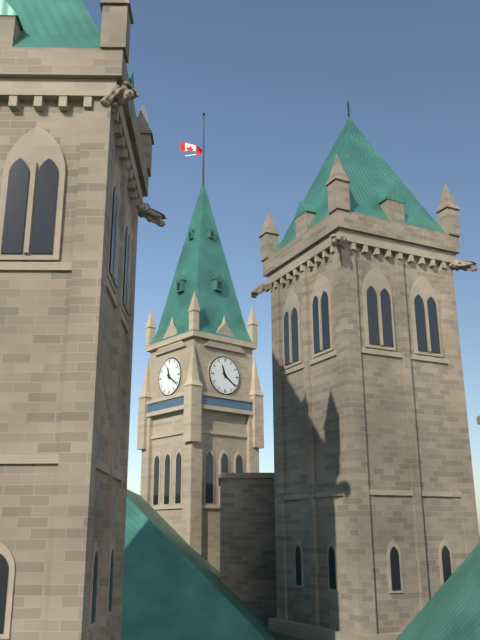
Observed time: 11:21
